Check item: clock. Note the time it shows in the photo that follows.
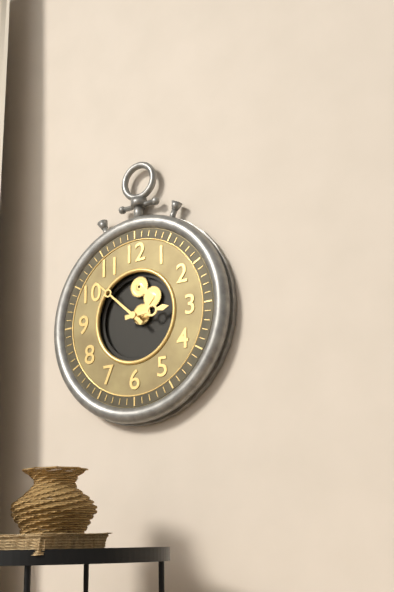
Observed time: 2:52
